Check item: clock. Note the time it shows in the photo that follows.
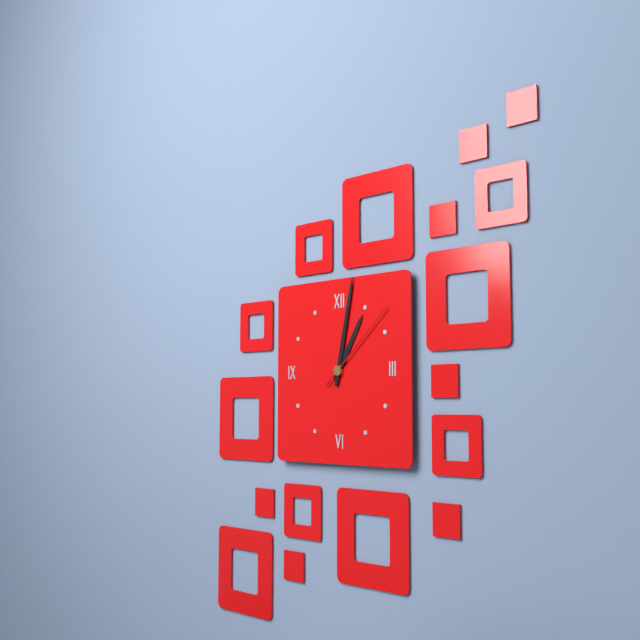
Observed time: 1:02:08
